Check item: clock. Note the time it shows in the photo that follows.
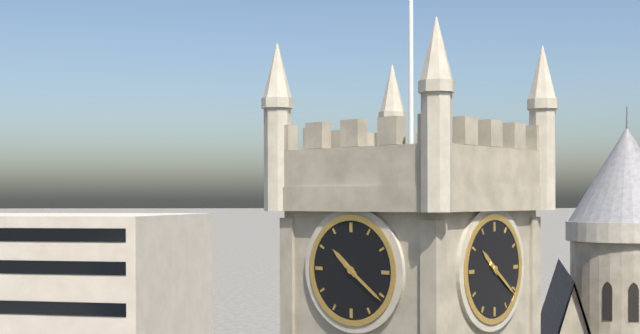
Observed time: 10:21
